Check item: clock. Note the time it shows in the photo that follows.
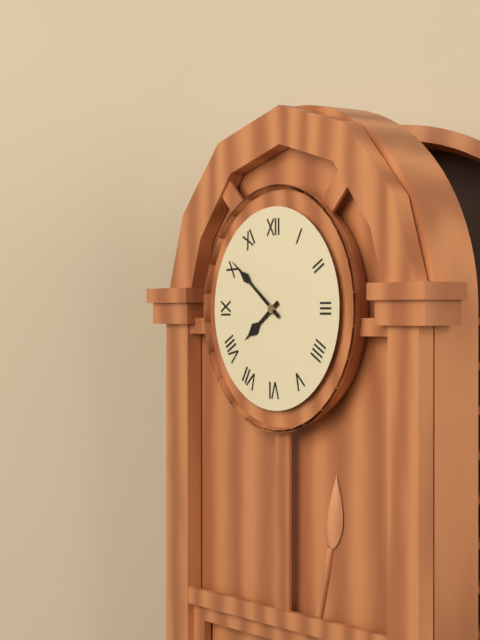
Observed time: 7:51
